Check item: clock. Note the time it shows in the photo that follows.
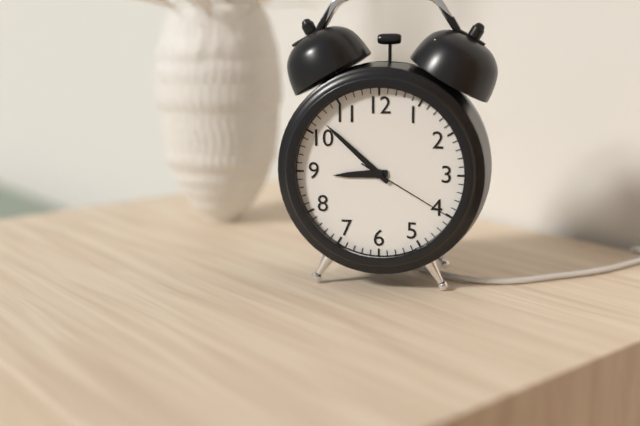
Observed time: 8:52:20
